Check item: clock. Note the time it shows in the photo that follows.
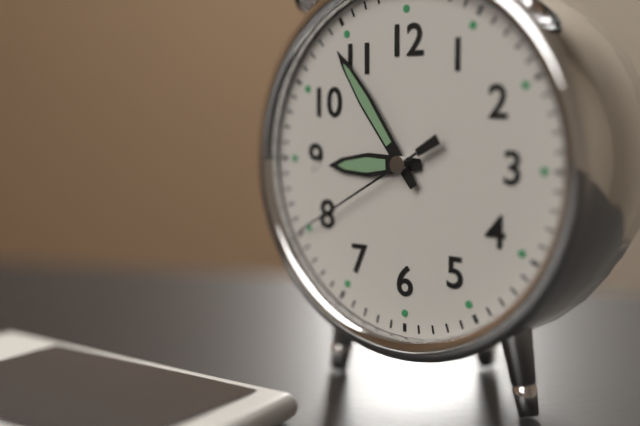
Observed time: 8:54:40
